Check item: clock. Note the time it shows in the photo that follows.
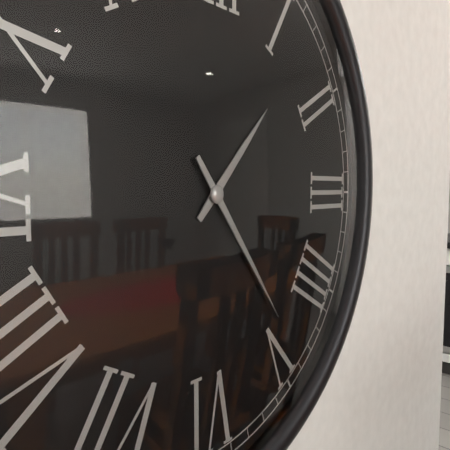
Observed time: 1:24
